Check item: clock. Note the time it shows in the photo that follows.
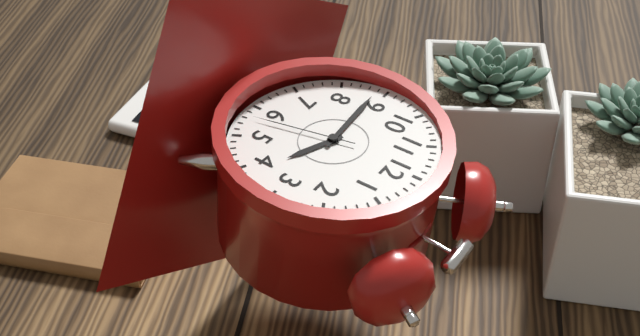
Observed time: 3:44:28
